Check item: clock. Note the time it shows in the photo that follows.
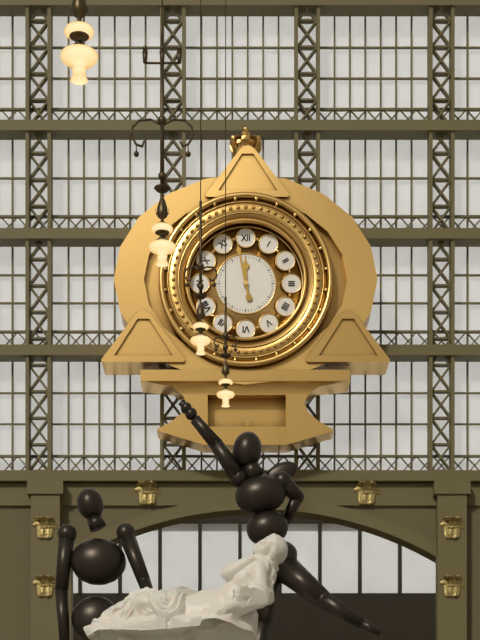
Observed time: 11:58
